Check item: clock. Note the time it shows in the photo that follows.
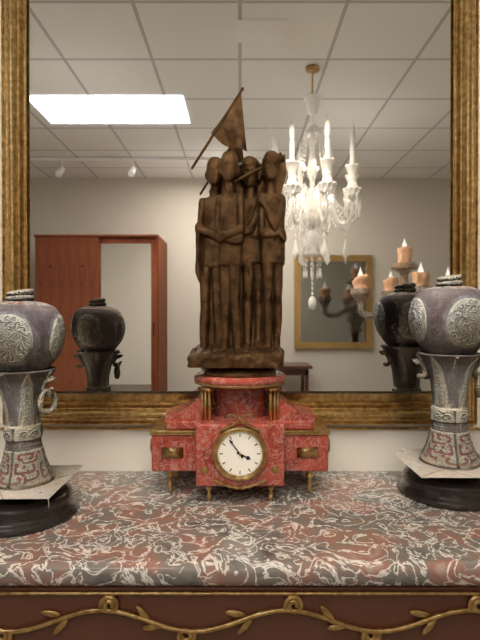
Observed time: 3:54
